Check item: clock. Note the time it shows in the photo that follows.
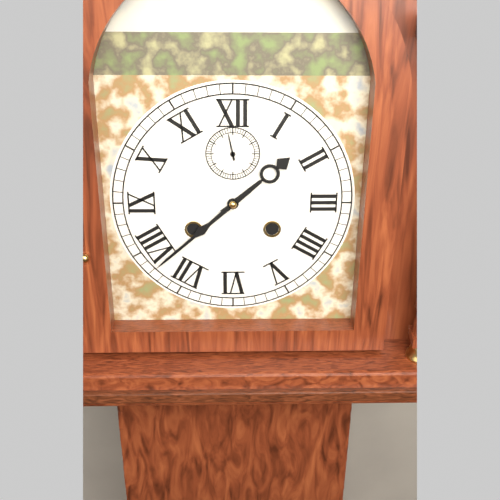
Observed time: 1:38
